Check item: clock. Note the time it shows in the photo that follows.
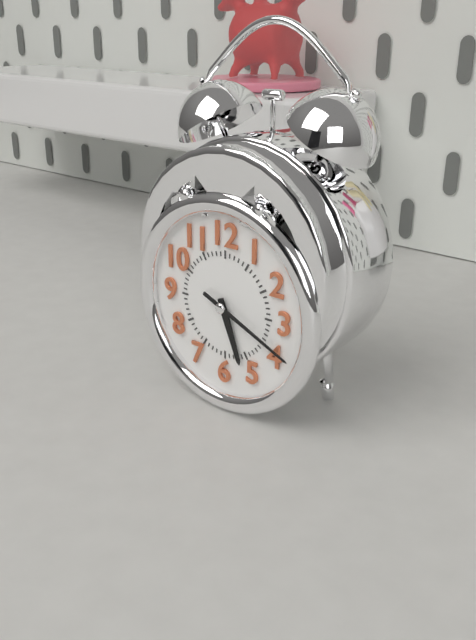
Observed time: 5:19
